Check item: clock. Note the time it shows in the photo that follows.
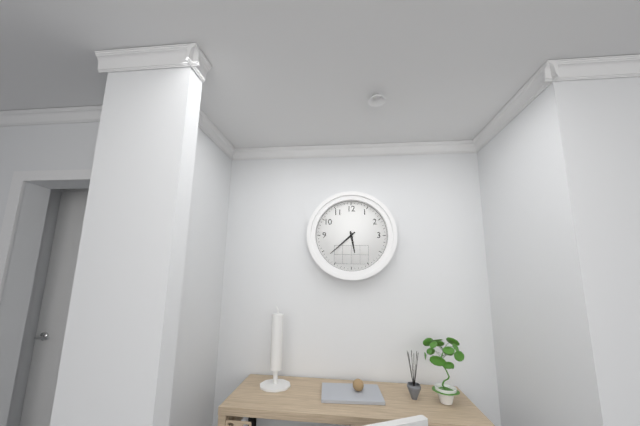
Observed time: 5:38
